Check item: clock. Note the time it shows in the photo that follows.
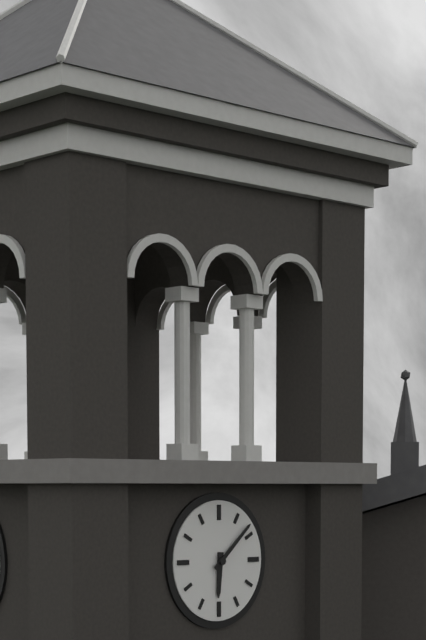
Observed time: 6:08
